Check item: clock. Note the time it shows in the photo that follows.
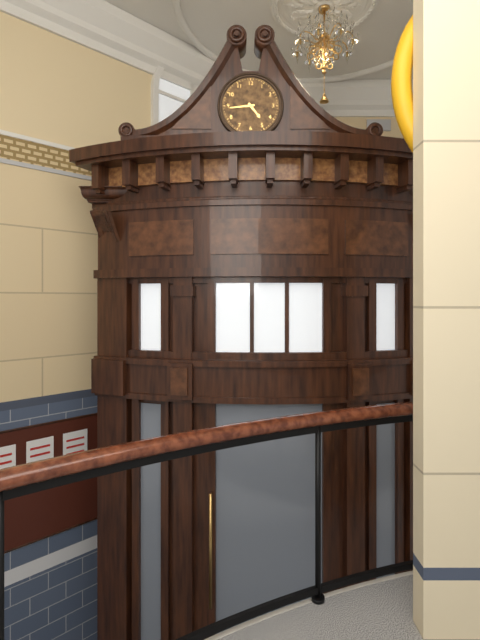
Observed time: 4:44
